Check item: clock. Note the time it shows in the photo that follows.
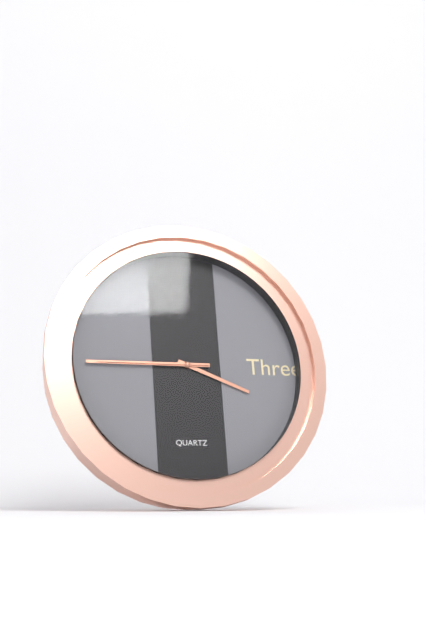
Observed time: 3:45:45
